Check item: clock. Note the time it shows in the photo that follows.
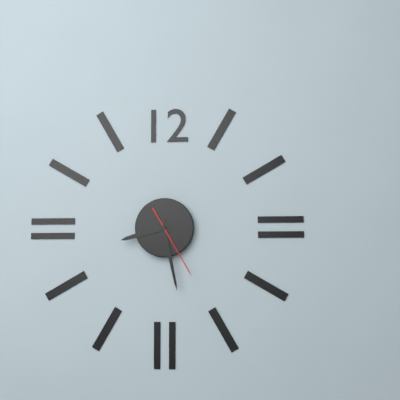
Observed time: 8:28:25
